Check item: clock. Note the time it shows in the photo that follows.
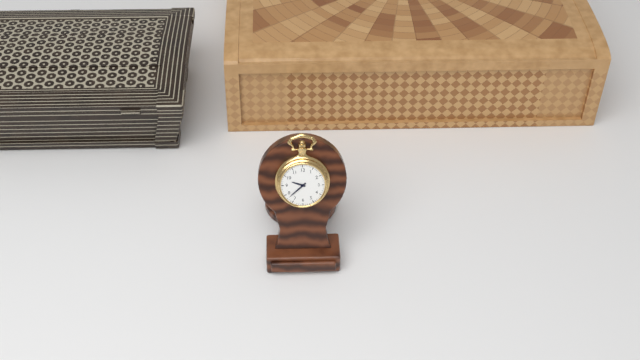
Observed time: 9:38
